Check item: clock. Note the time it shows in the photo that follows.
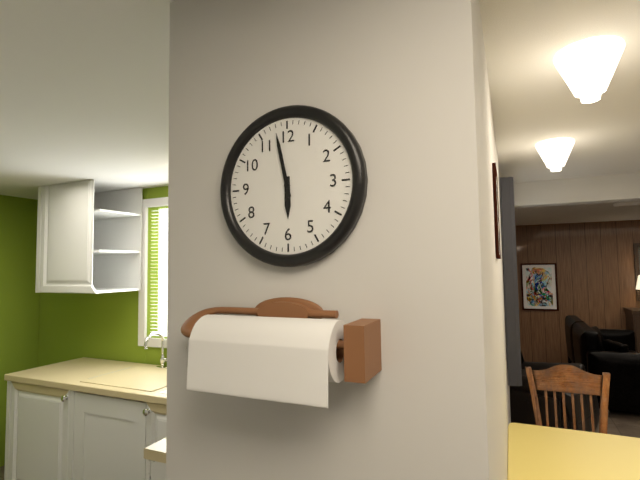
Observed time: 5:58
